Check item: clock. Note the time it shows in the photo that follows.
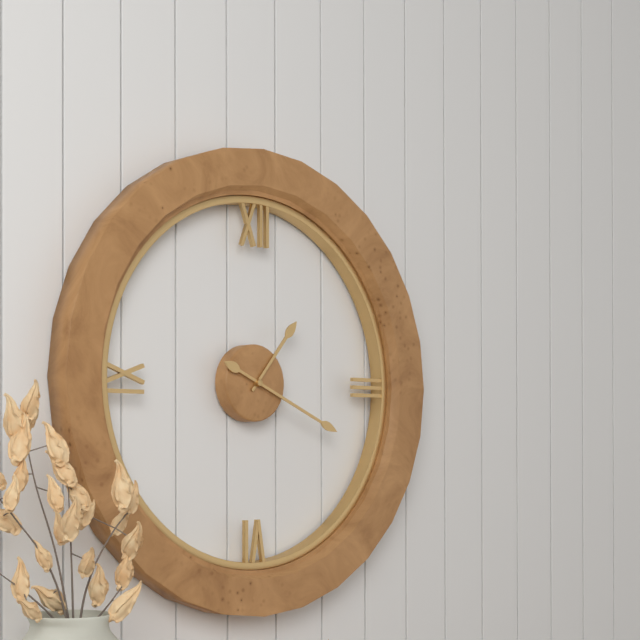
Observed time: 1:19
